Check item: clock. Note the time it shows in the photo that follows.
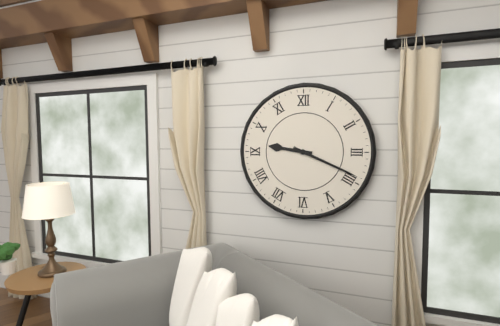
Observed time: 9:19
